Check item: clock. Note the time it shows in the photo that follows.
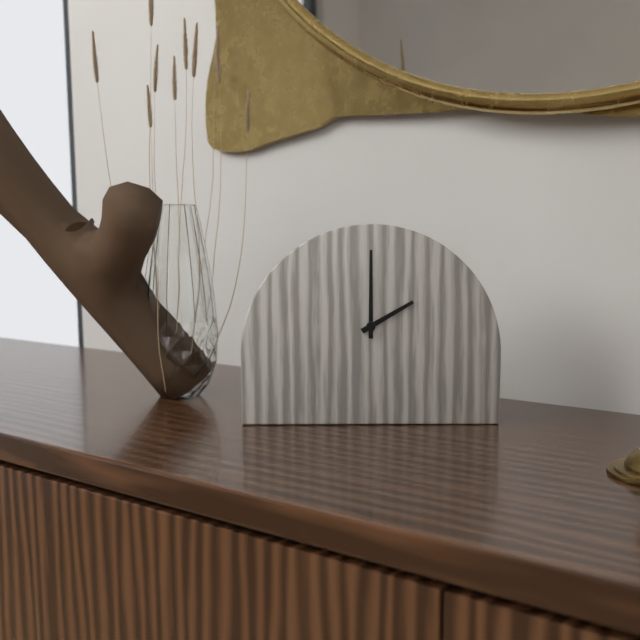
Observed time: 2:00
